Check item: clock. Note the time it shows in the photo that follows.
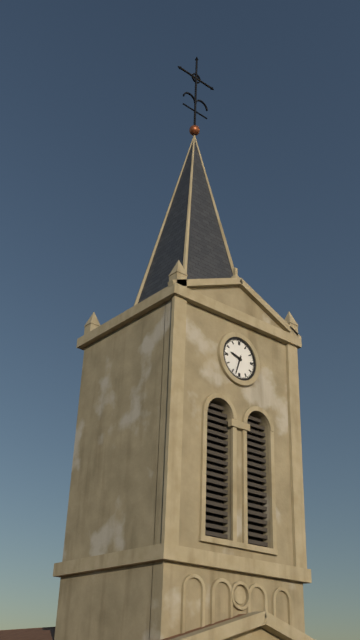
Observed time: 9:33
